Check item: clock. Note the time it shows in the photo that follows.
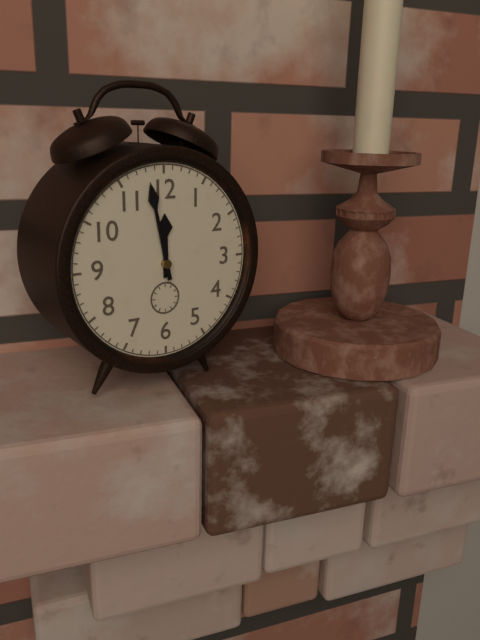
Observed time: 11:58
